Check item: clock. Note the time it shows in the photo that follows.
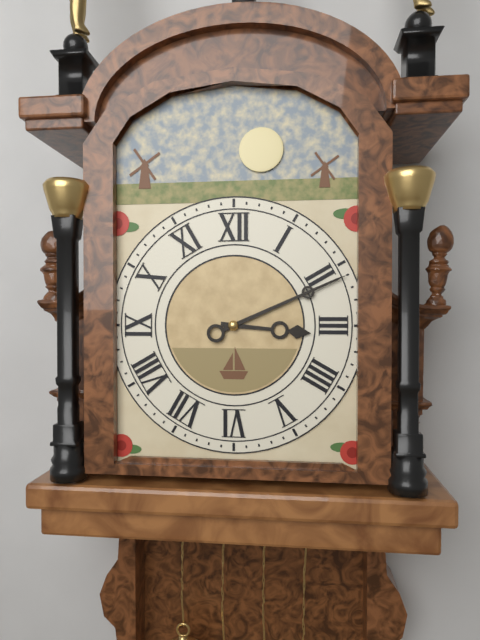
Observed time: 3:11
